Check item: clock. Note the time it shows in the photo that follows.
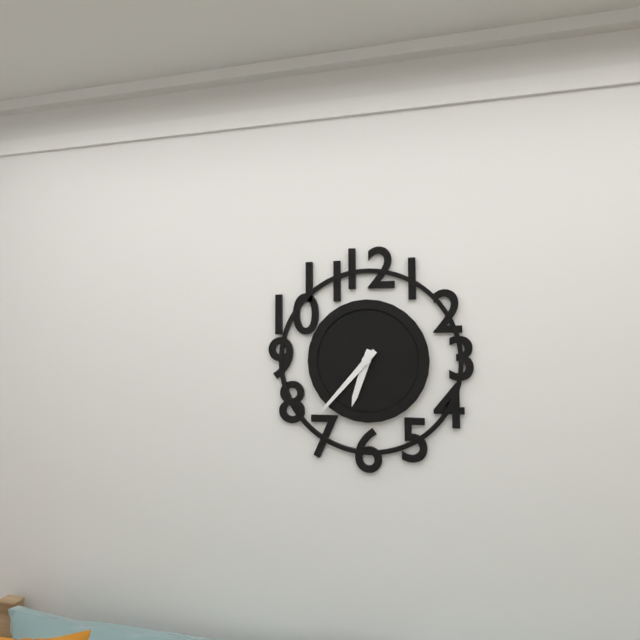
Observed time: 6:37
